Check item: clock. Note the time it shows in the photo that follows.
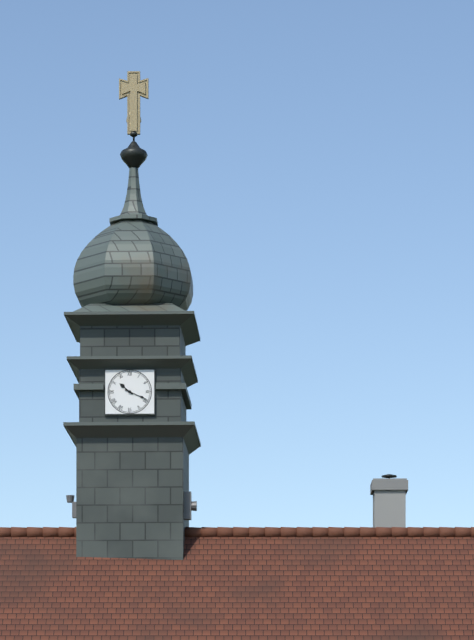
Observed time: 10:19
